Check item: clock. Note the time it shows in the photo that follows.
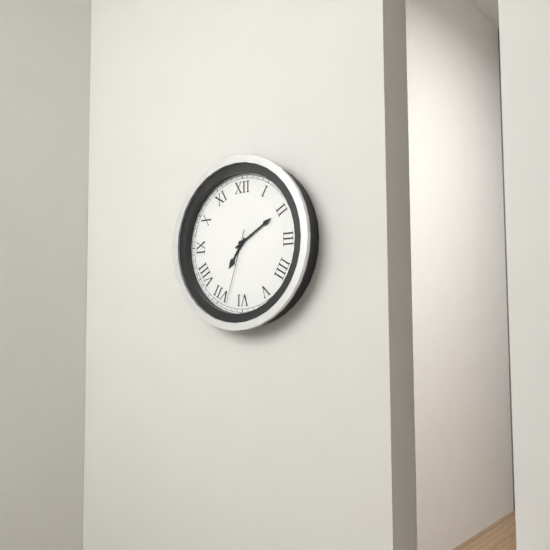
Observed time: 7:10:33
